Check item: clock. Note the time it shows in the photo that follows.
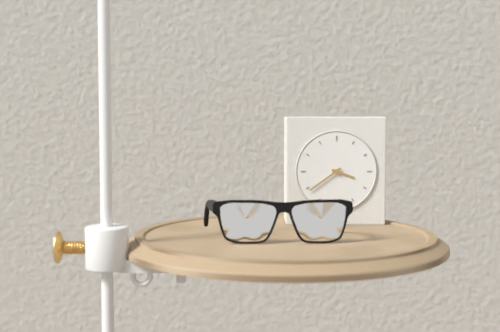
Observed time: 3:39
